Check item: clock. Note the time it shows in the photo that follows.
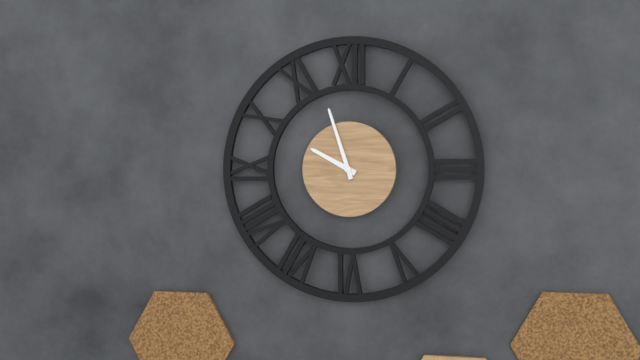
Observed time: 9:57
